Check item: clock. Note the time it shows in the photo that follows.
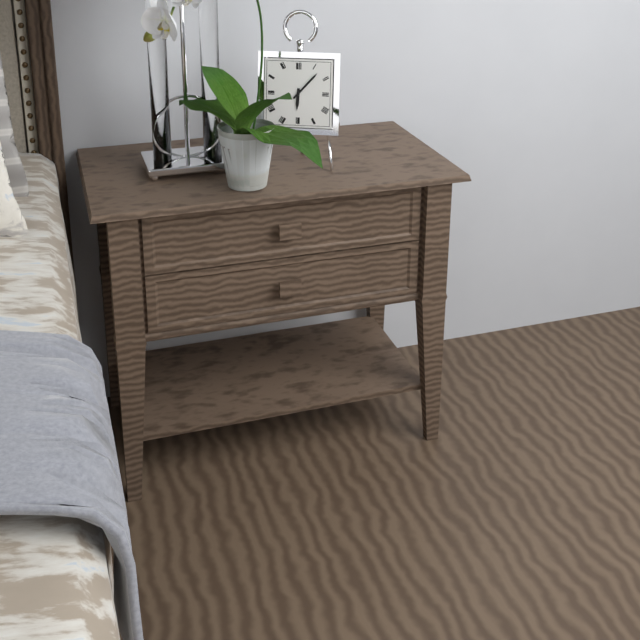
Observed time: 6:07
